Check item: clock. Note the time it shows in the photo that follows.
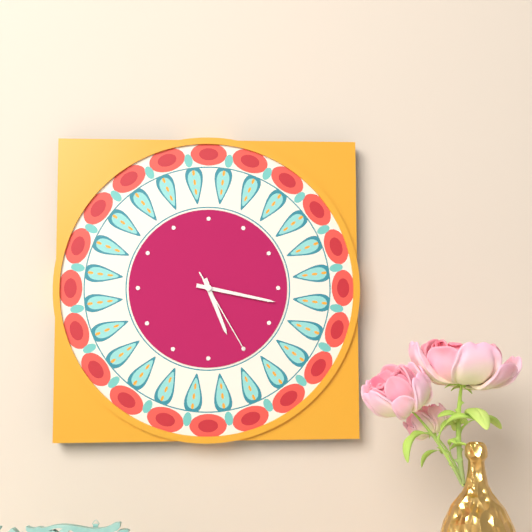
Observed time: 5:17:25
